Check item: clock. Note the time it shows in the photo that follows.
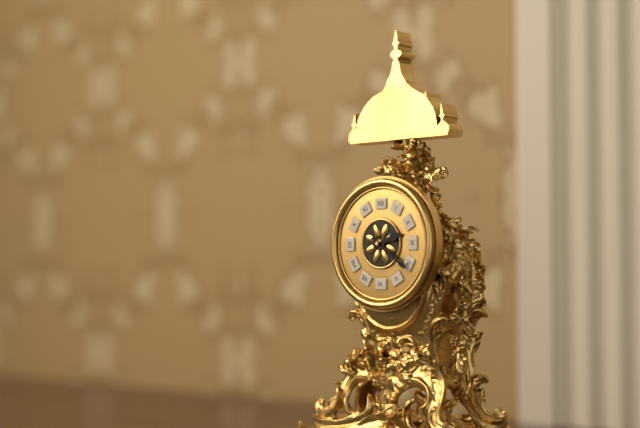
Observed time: 2:21
